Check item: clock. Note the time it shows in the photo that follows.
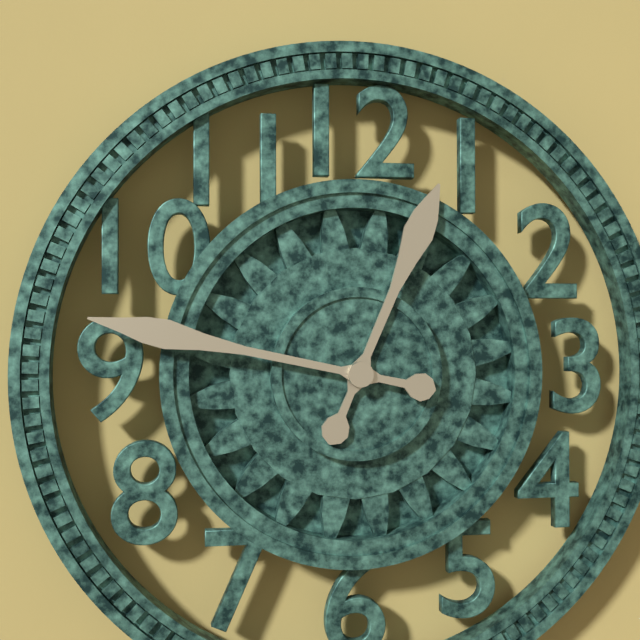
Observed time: 12:47
